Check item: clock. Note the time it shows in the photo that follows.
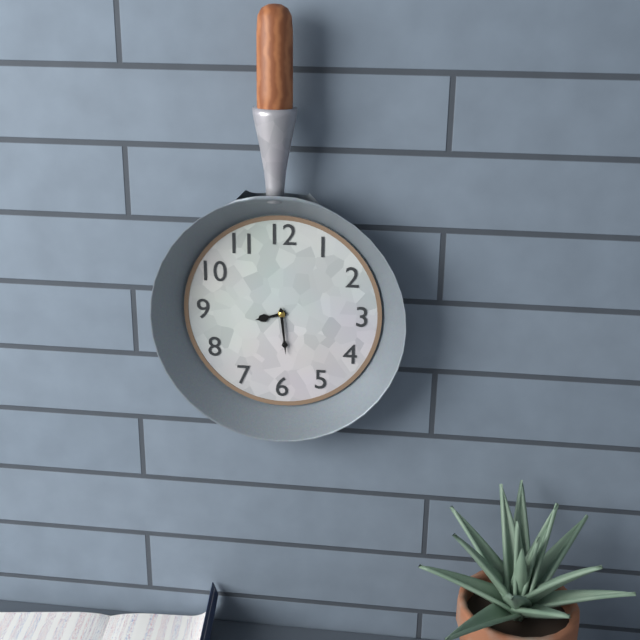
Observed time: 8:29
